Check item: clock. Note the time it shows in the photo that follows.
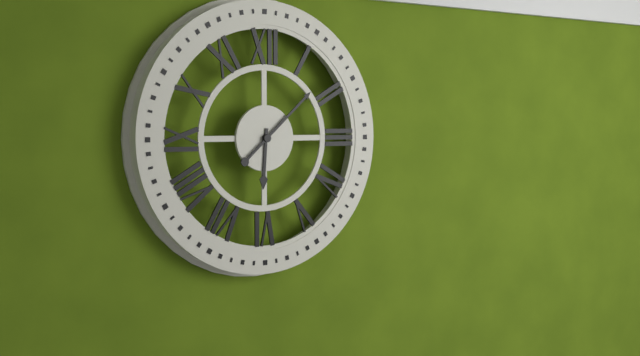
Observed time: 6:08
